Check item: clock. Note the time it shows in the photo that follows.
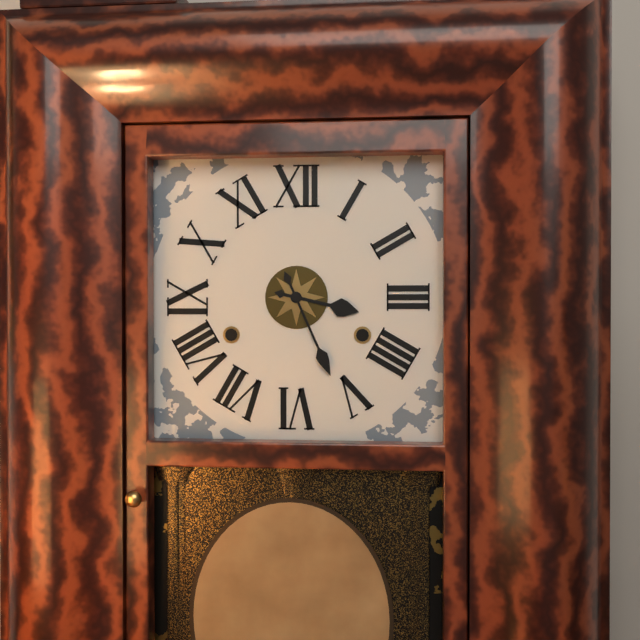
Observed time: 3:26
